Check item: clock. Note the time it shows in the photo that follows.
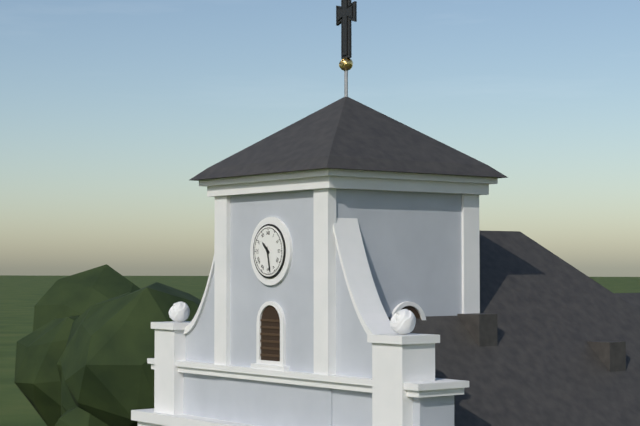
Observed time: 10:28
